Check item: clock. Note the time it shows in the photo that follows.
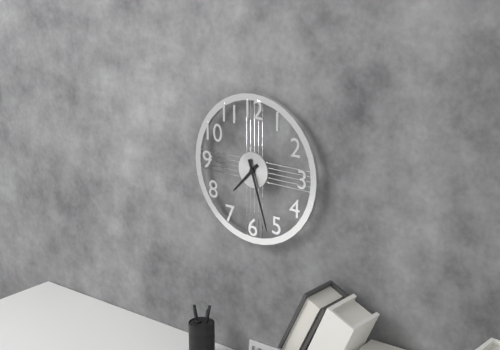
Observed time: 7:27
